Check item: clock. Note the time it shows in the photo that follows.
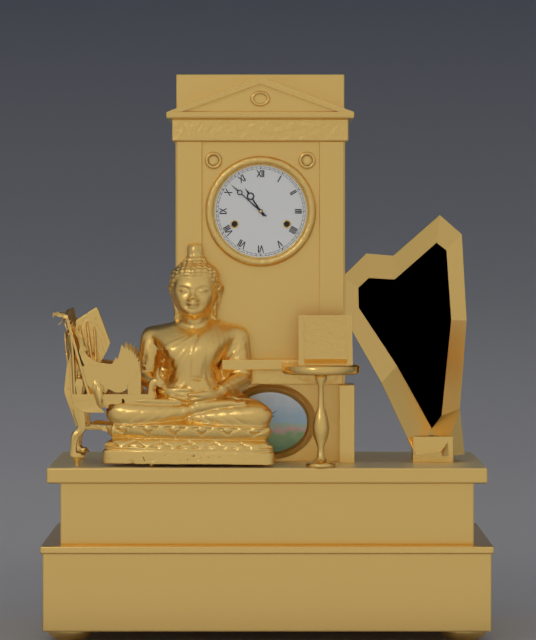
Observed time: 10:52
